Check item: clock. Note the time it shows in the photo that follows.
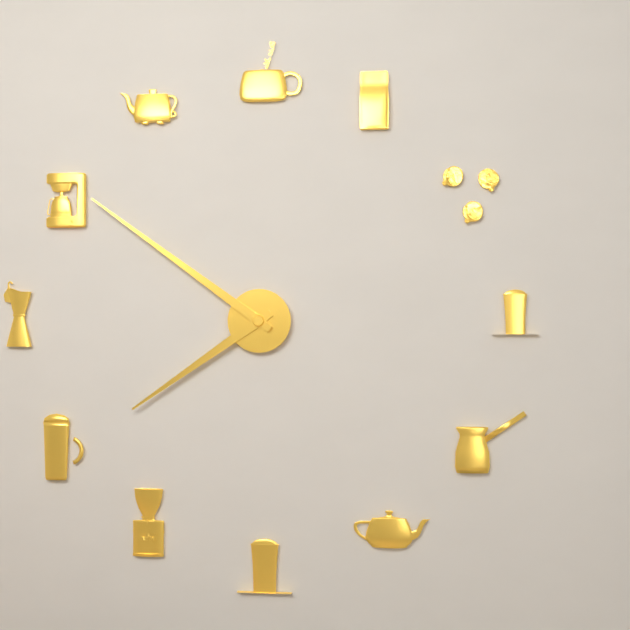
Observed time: 7:51
